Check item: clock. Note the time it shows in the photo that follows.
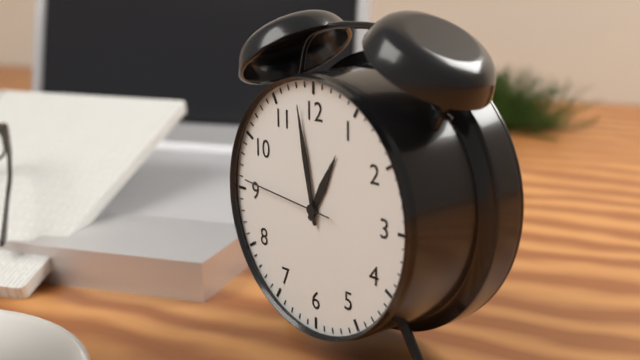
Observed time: 12:58:46
